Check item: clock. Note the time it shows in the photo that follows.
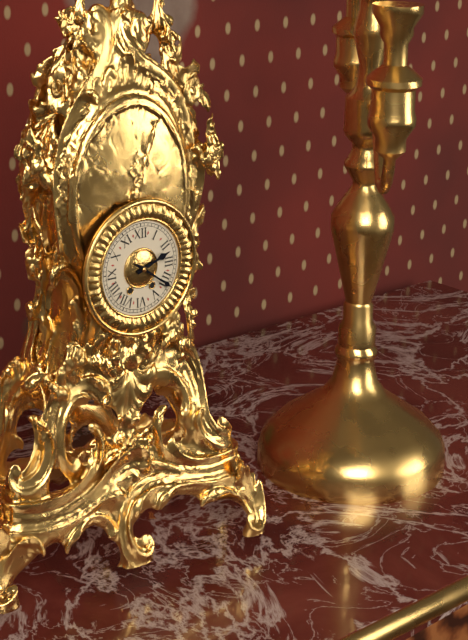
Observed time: 2:21
